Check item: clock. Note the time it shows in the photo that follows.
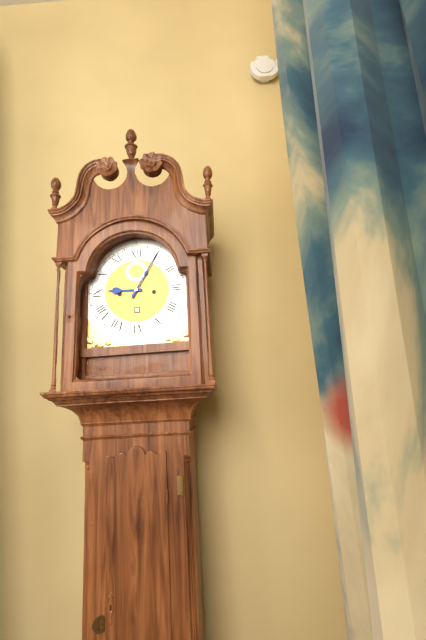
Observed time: 9:05
